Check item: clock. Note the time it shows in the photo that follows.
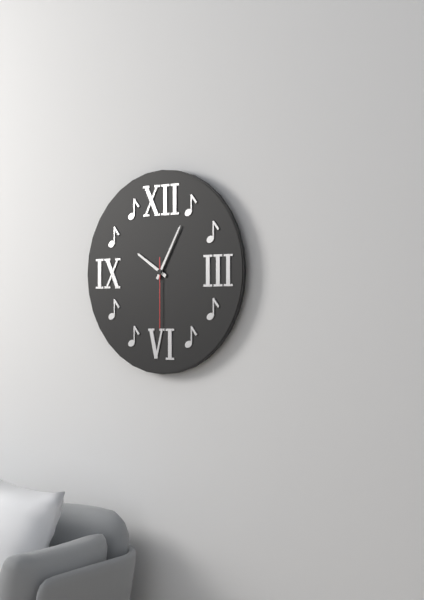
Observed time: 10:05:30
